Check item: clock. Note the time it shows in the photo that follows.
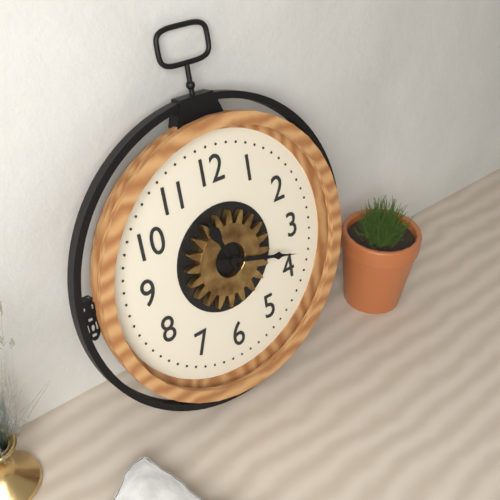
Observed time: 11:18
